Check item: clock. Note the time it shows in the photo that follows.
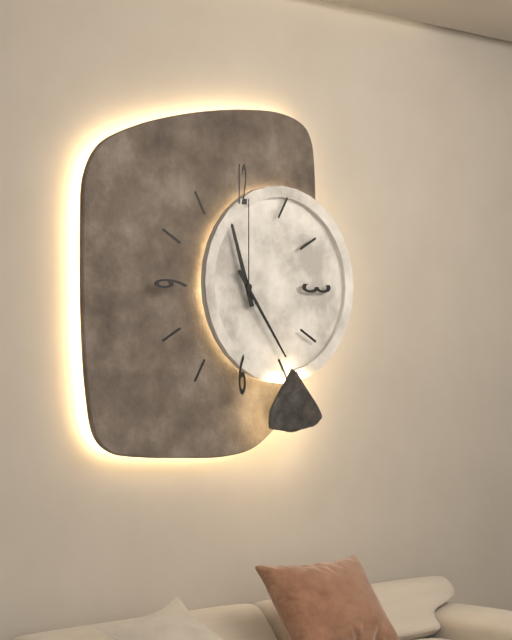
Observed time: 11:24:00
